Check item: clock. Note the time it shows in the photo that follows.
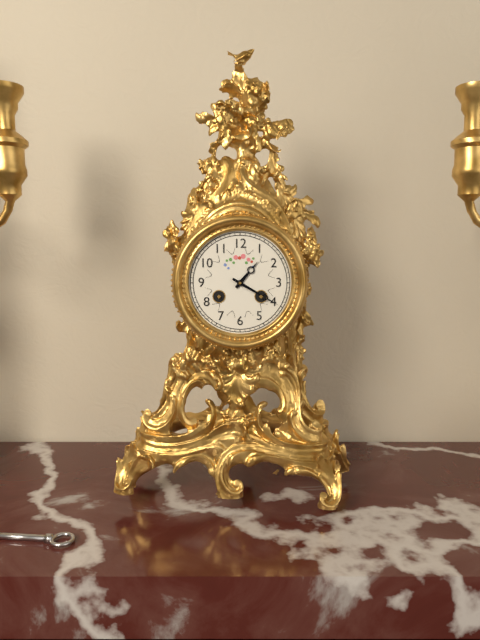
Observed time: 1:20
